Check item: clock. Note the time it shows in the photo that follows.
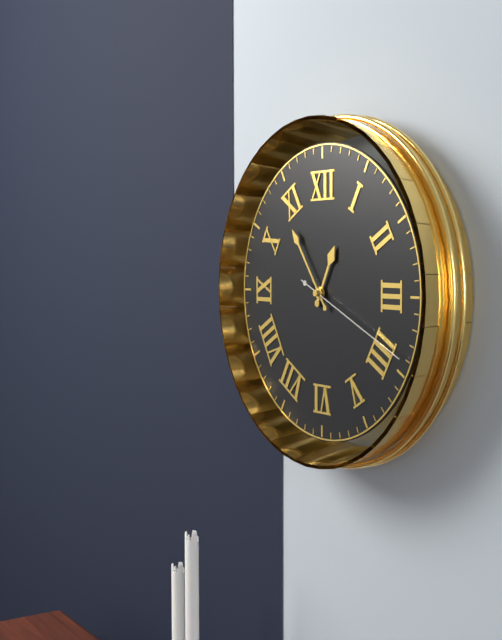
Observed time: 12:54:19
